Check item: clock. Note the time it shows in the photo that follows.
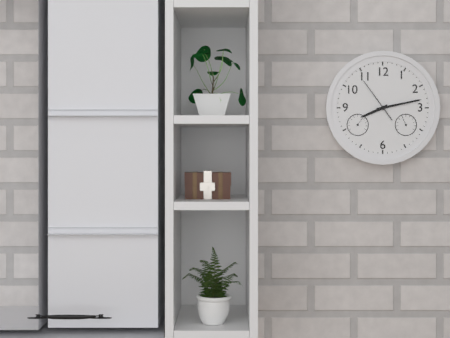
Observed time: 8:13
